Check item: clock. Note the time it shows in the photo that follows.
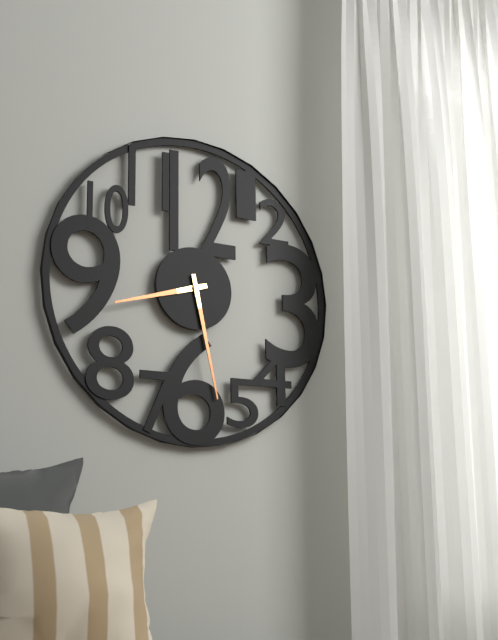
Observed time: 8:28
